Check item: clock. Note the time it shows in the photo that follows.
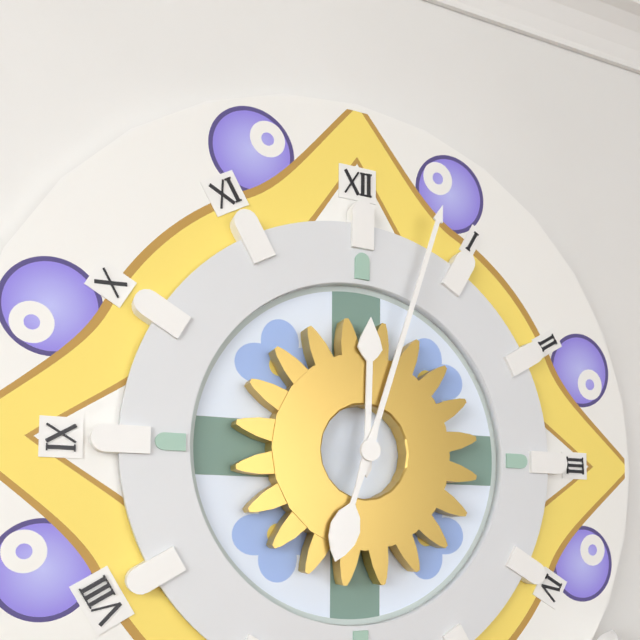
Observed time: 12:03
